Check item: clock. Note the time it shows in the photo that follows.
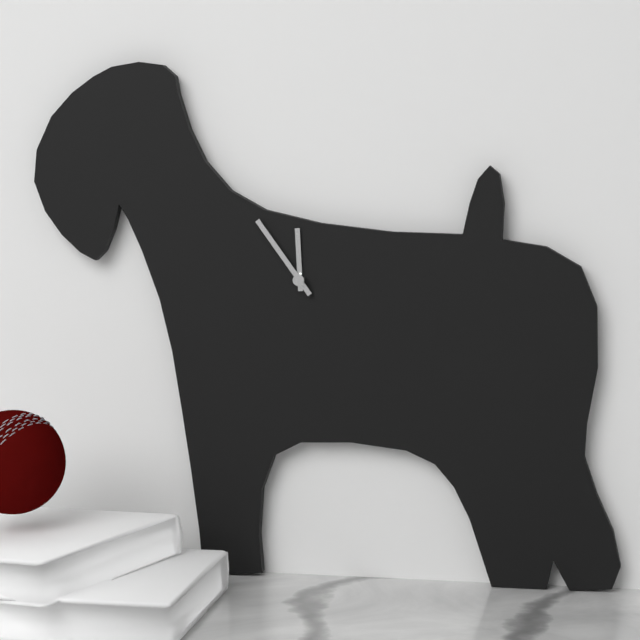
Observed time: 11:54
